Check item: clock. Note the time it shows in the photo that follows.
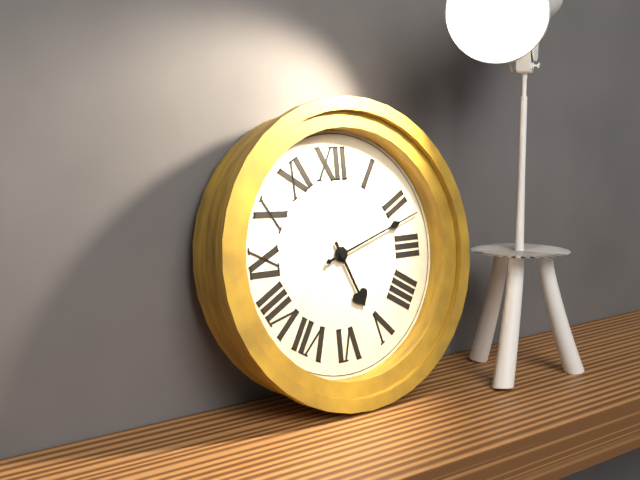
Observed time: 5:12
